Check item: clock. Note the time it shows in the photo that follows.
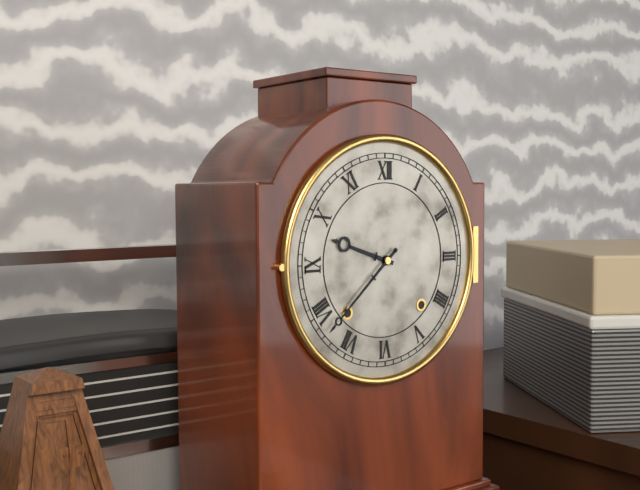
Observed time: 9:38
